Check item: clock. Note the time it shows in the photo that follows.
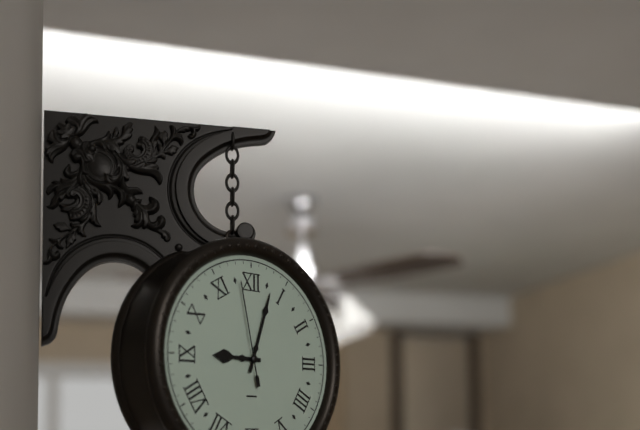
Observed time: 9:03:58
